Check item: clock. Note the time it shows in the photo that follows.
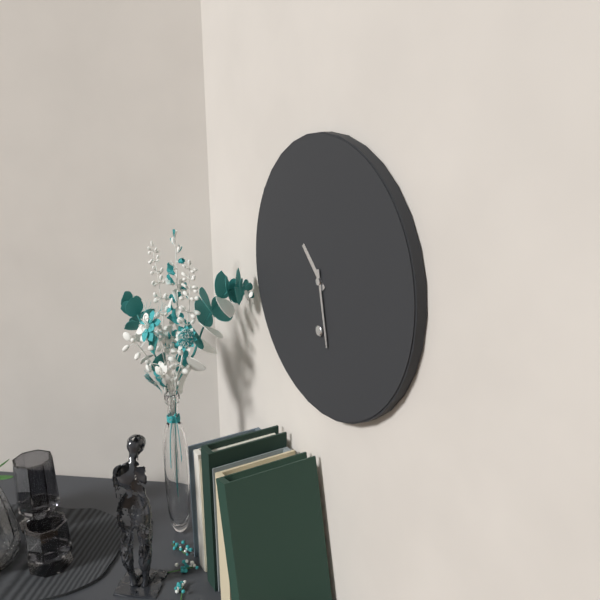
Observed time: 10:28
